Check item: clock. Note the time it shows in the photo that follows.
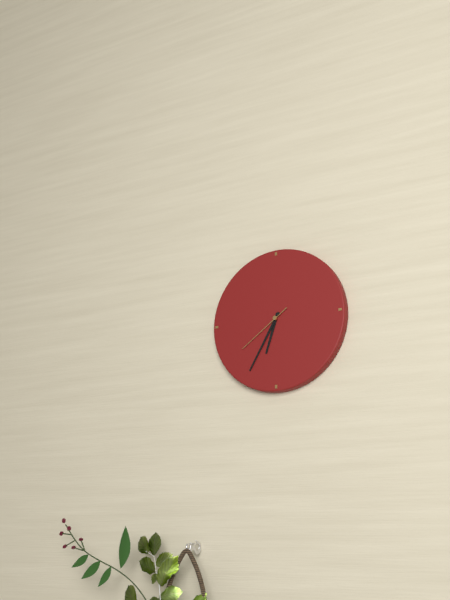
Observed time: 6:35:39
